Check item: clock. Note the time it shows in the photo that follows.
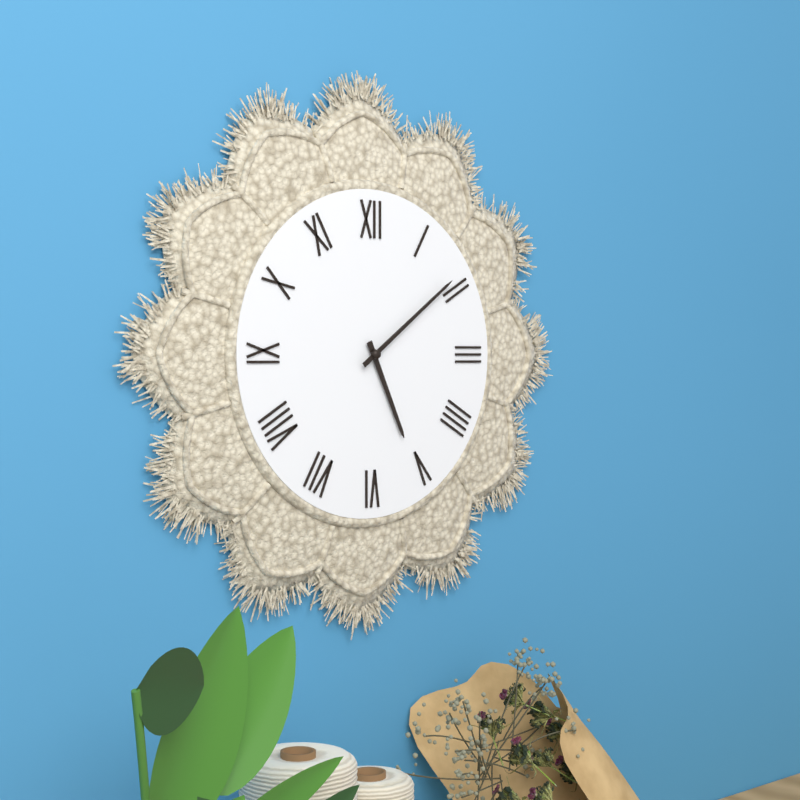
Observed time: 5:09
